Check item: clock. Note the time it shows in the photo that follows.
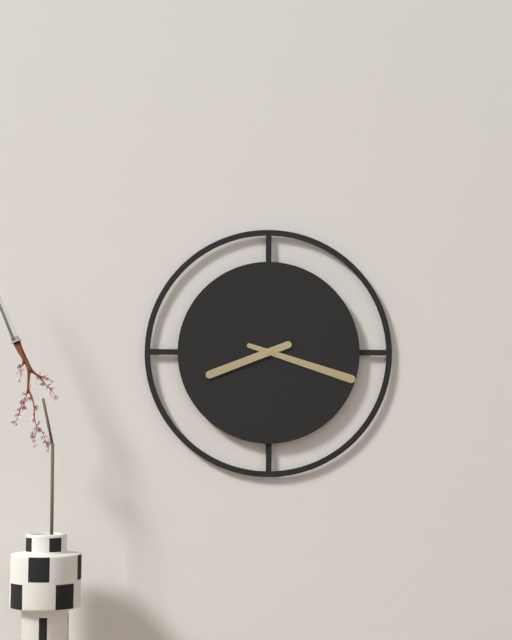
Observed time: 8:18
